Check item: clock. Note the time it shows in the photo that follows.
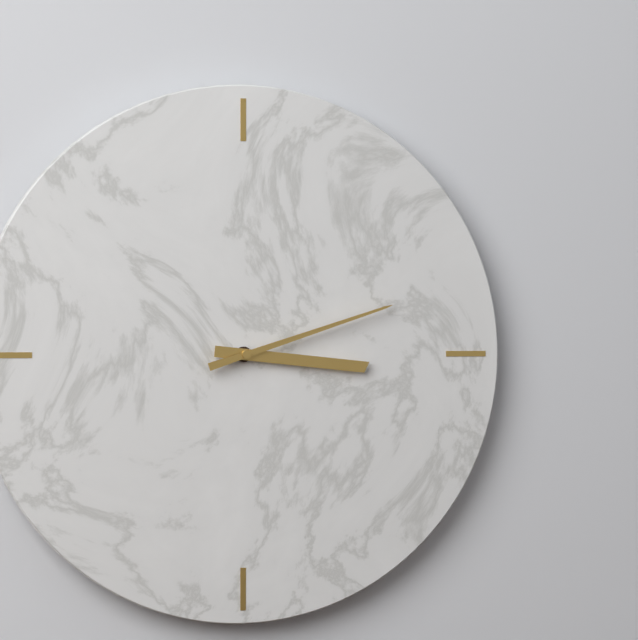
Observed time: 3:12
